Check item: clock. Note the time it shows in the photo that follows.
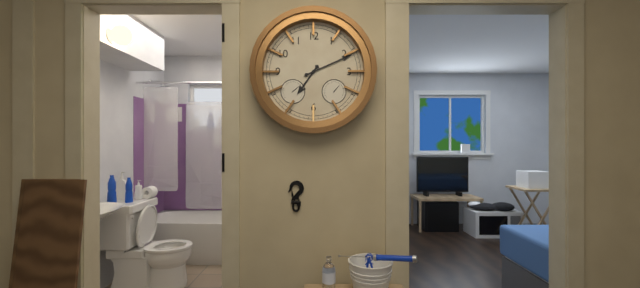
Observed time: 7:11
